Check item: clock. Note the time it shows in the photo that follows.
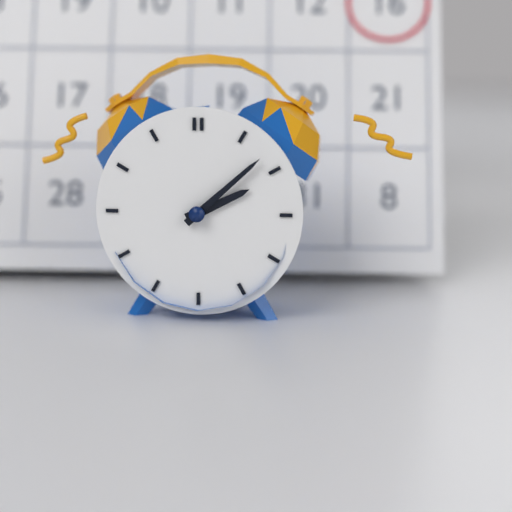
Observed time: 2:08
